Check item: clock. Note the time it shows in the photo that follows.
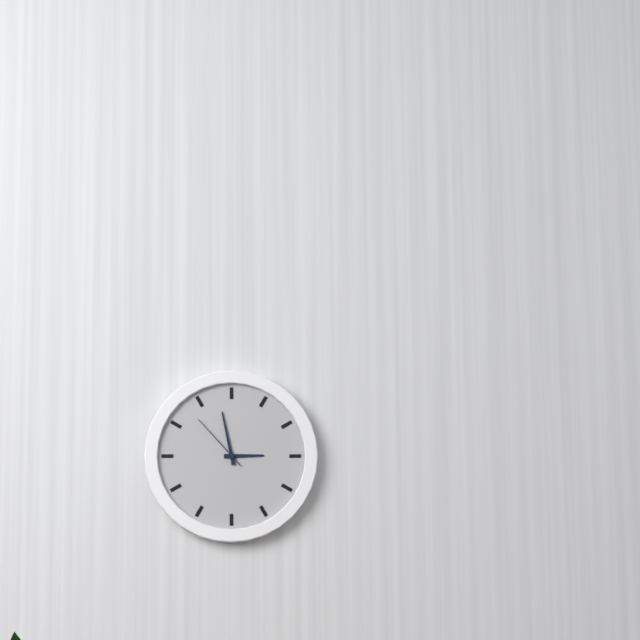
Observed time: 2:58:53
